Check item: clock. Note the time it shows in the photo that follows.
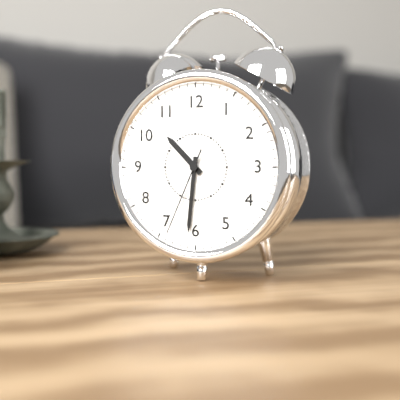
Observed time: 10:31:34
